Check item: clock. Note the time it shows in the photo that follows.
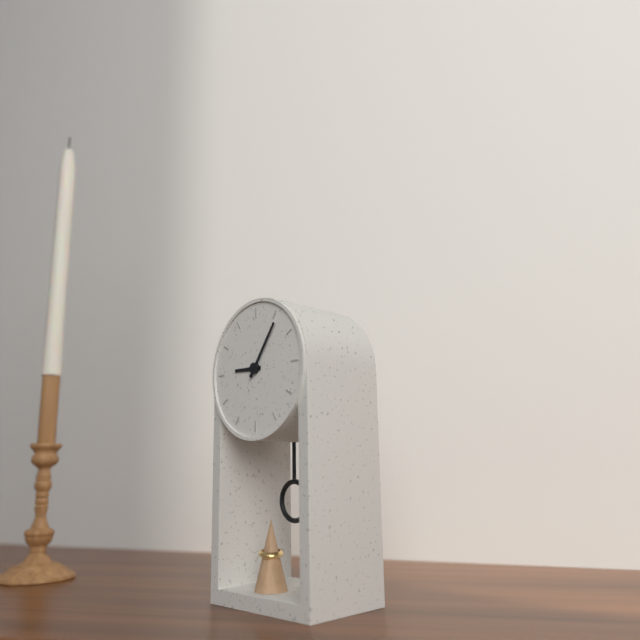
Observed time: 9:06
